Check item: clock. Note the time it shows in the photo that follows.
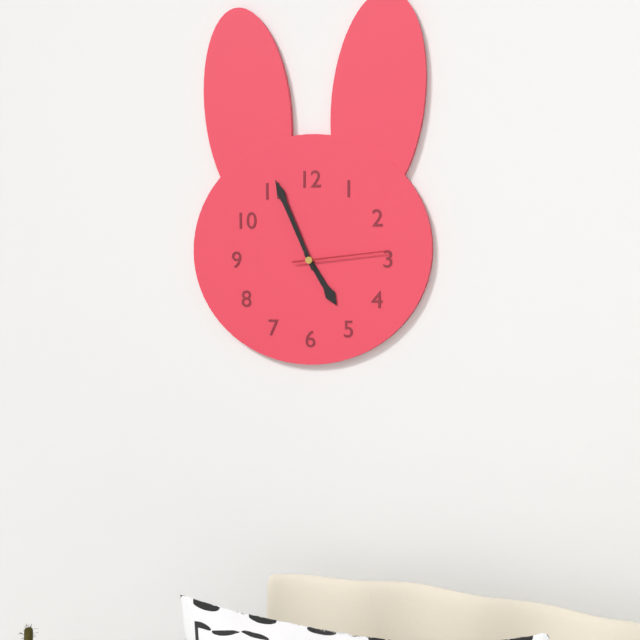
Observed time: 4:56:14
